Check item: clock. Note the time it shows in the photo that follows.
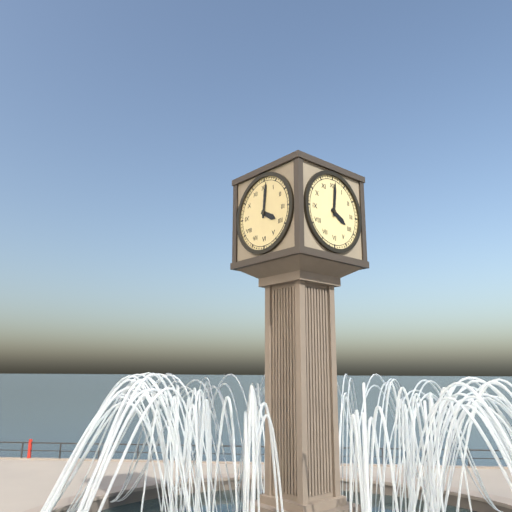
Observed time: 4:01
